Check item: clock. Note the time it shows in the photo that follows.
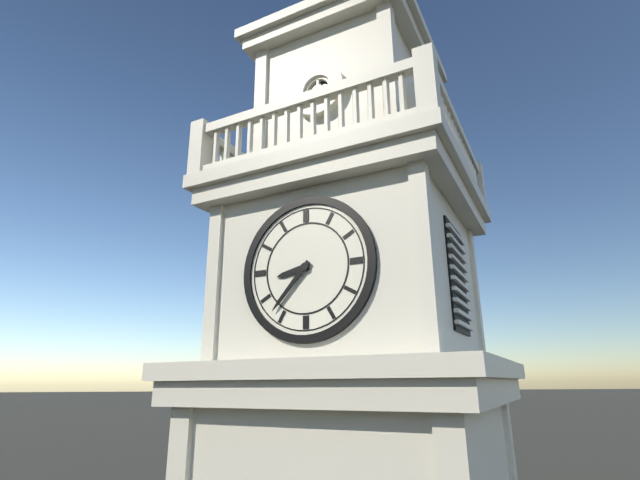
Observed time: 8:37
